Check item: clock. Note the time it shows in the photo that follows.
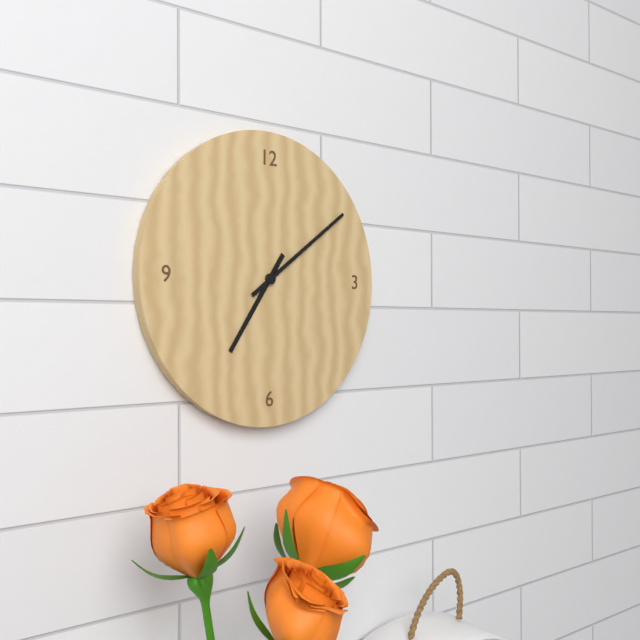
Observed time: 7:09
